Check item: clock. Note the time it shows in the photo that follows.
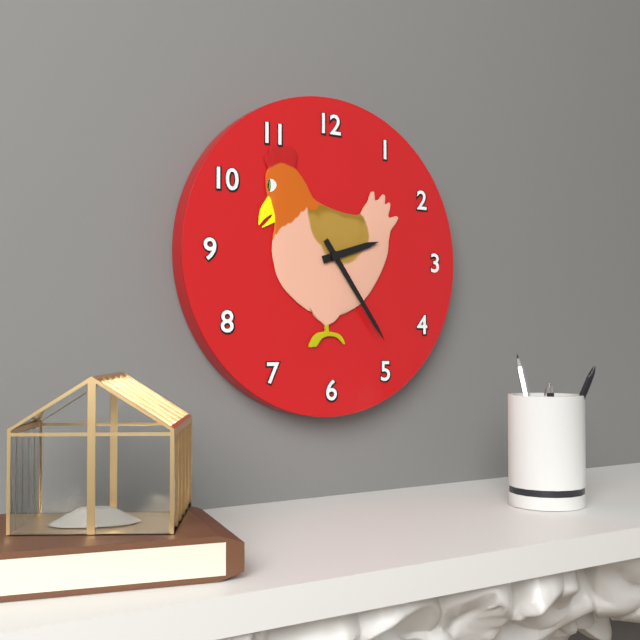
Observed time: 2:24
